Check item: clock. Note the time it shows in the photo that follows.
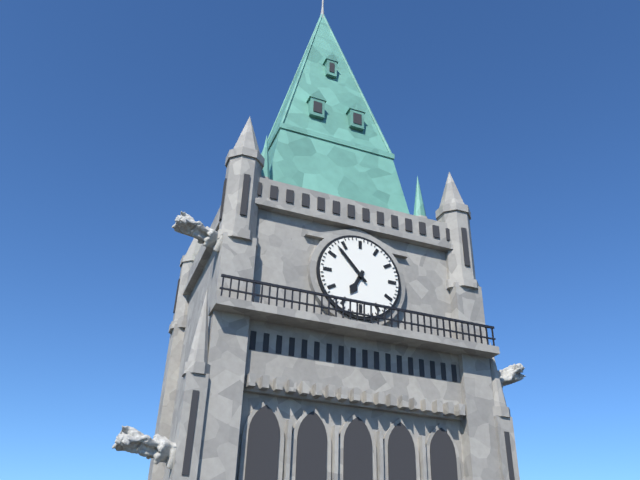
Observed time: 6:53
